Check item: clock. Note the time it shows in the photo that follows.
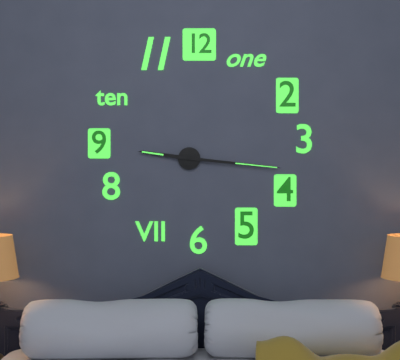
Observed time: 9:16
